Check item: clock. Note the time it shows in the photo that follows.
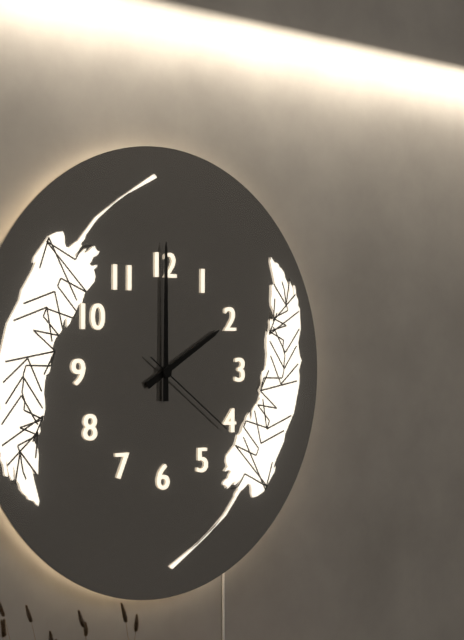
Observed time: 2:00:21
